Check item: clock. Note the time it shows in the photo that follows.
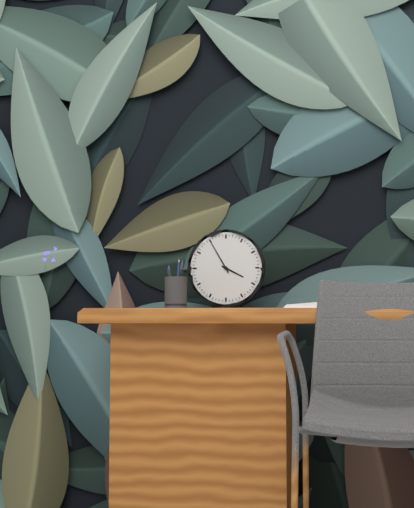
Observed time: 3:55
